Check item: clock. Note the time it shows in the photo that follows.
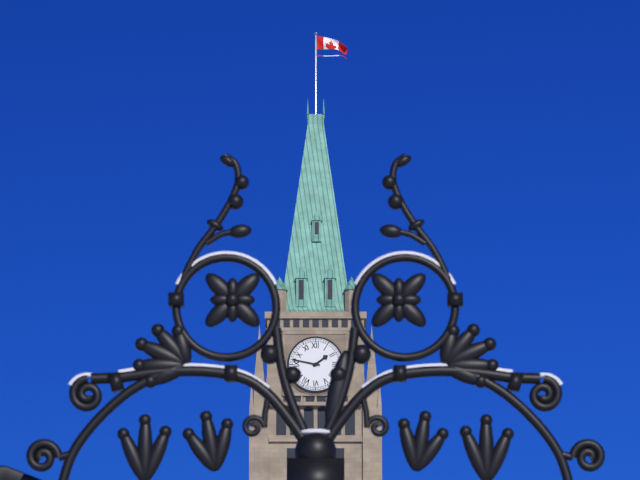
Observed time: 1:47
